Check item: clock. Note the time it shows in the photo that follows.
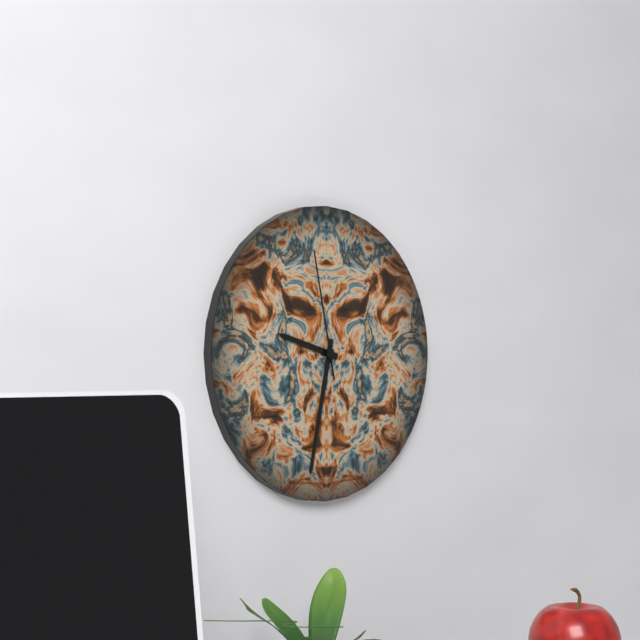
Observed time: 9:32:58
